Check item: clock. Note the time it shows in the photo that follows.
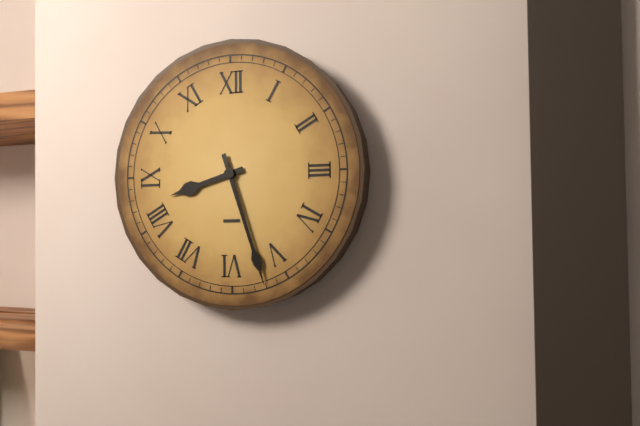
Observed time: 8:27
